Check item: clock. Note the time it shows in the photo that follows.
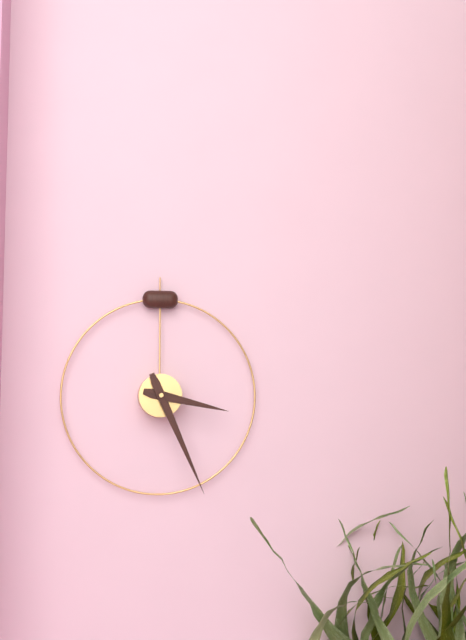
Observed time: 3:26
